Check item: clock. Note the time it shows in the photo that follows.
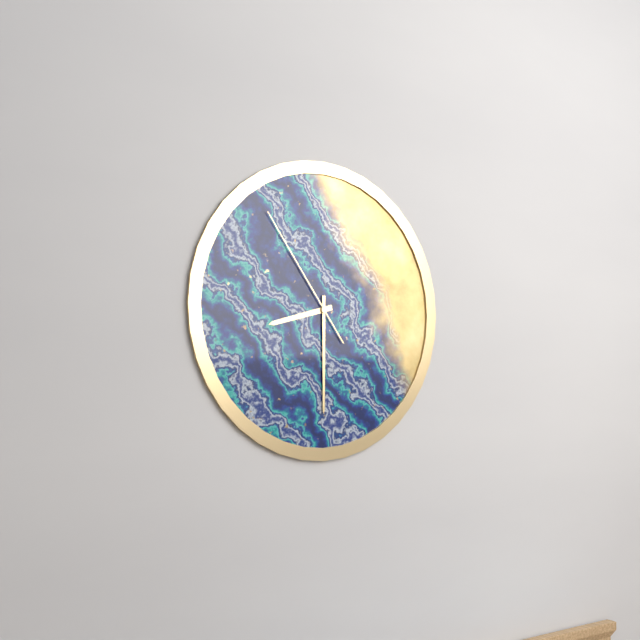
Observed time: 8:30:54
